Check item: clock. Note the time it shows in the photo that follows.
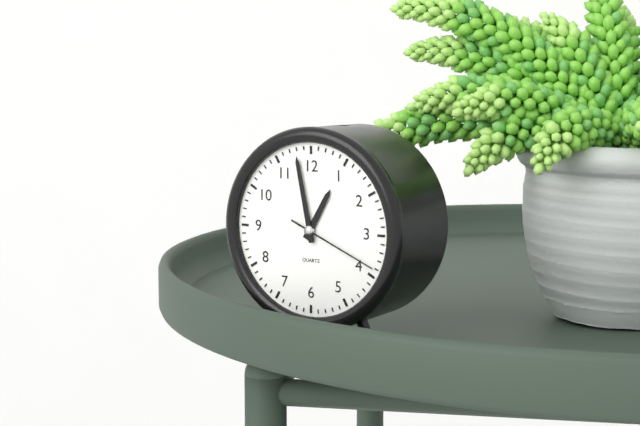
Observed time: 12:58:19
